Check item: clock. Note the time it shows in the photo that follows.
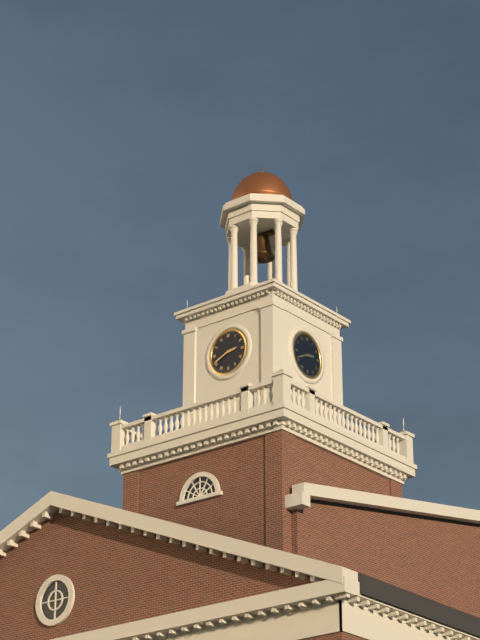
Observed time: 2:41
